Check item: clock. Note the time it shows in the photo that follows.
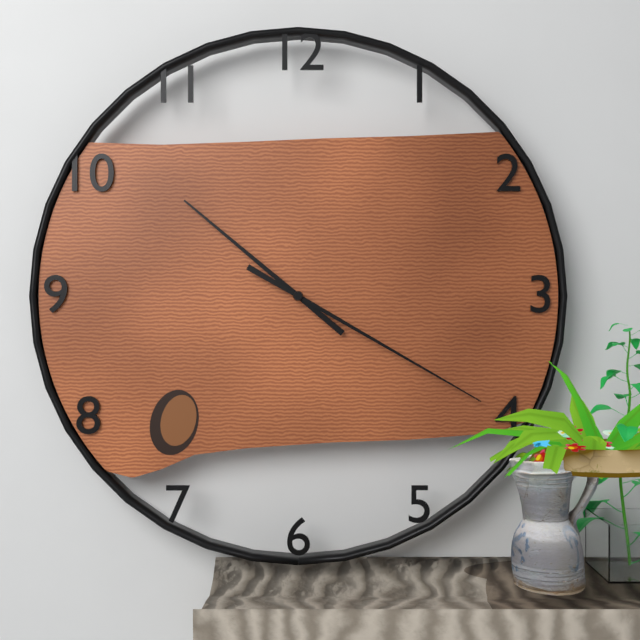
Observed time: 10:20
